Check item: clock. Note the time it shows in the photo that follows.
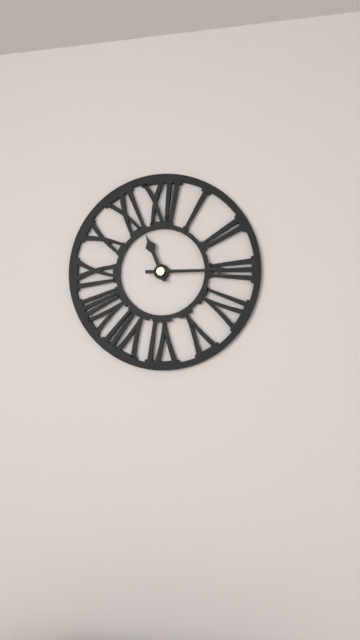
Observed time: 11:15
